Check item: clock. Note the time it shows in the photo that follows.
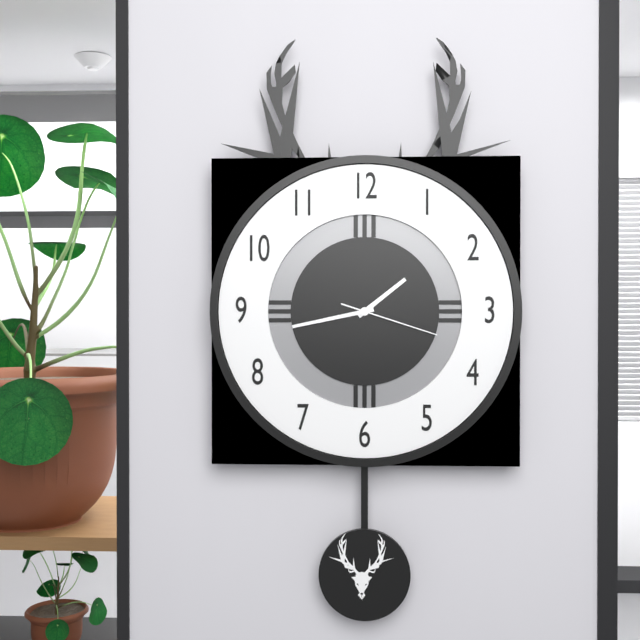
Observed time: 1:43:18
